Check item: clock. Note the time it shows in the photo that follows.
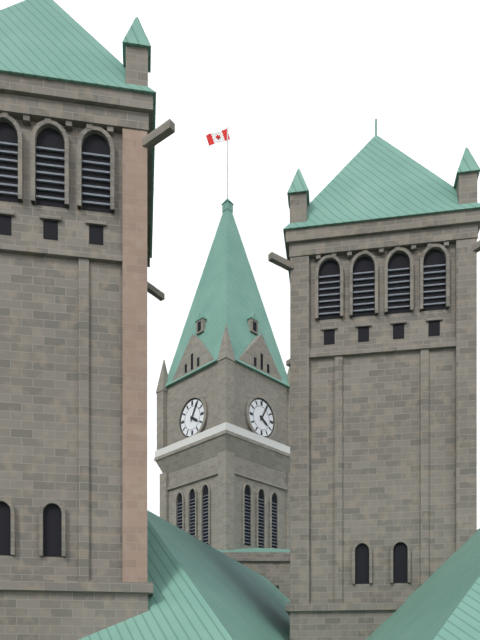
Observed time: 4:05
